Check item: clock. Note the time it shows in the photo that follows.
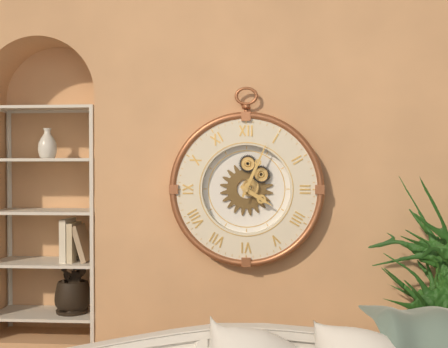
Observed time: 4:04
